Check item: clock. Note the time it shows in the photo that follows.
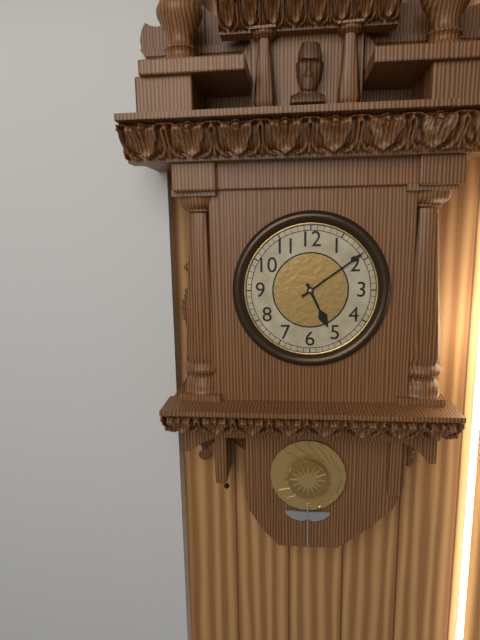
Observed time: 5:09
